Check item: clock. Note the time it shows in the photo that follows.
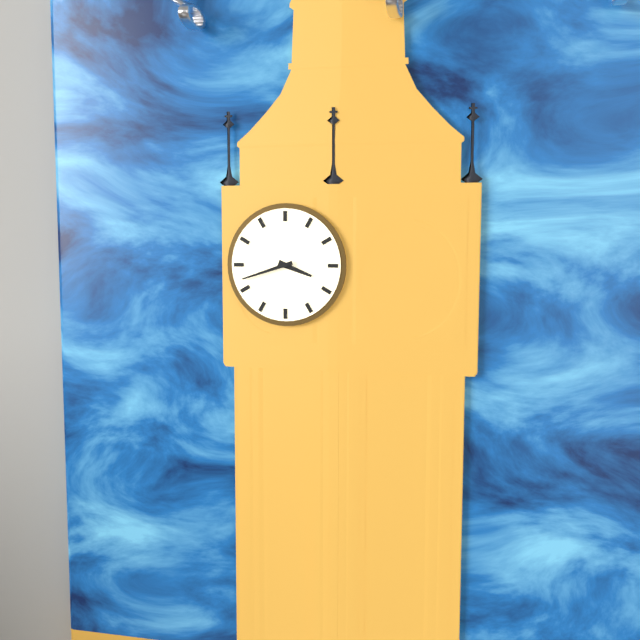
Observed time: 3:42
